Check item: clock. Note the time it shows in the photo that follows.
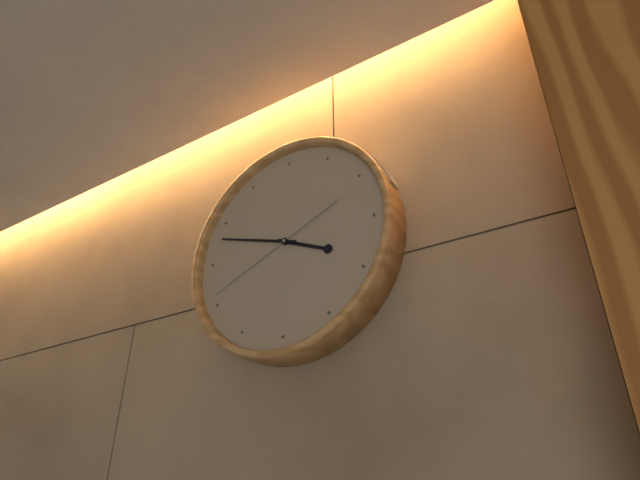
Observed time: 3:48:41
